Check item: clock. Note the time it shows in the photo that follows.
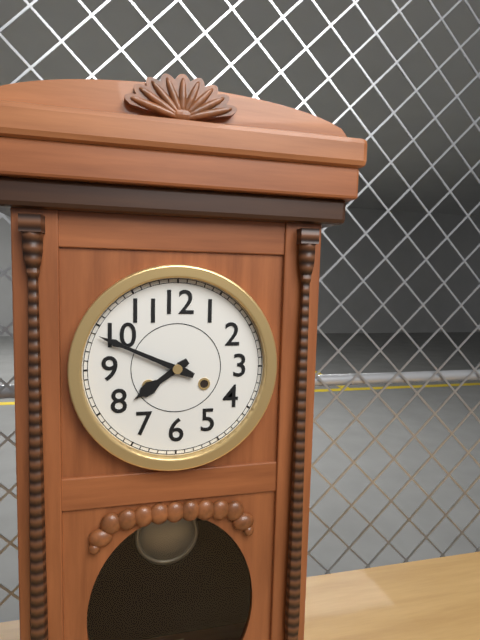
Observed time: 7:49
